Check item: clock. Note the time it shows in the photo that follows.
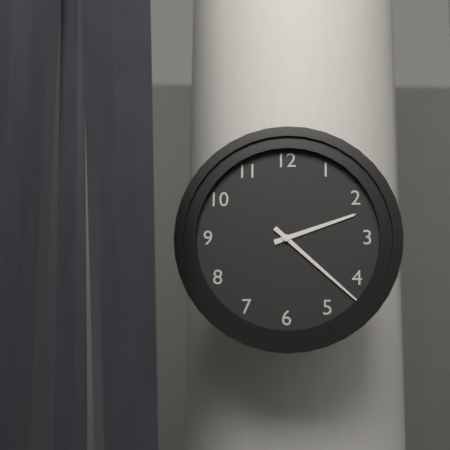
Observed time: 2:22
